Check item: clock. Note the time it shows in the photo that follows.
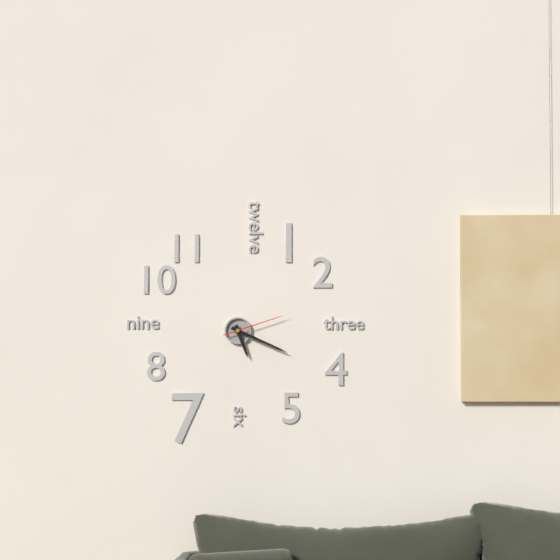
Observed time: 5:19:12
